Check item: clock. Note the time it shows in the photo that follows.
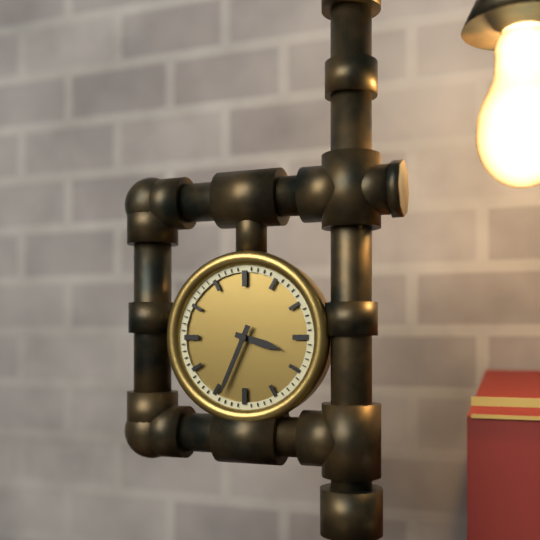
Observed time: 3:34
